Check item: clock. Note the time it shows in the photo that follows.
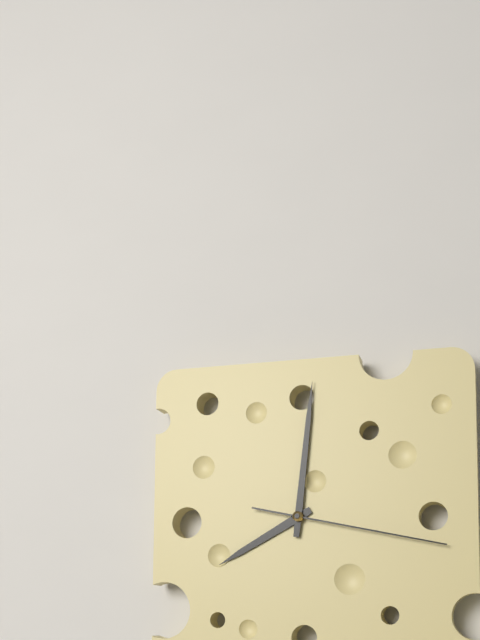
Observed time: 8:01:17
